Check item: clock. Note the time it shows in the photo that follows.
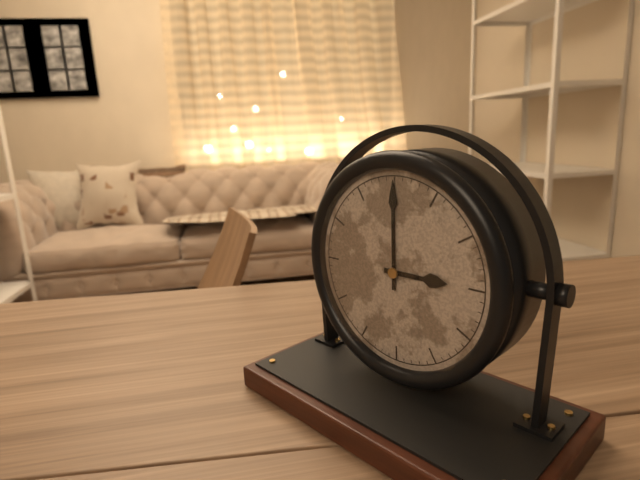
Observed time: 3:00
